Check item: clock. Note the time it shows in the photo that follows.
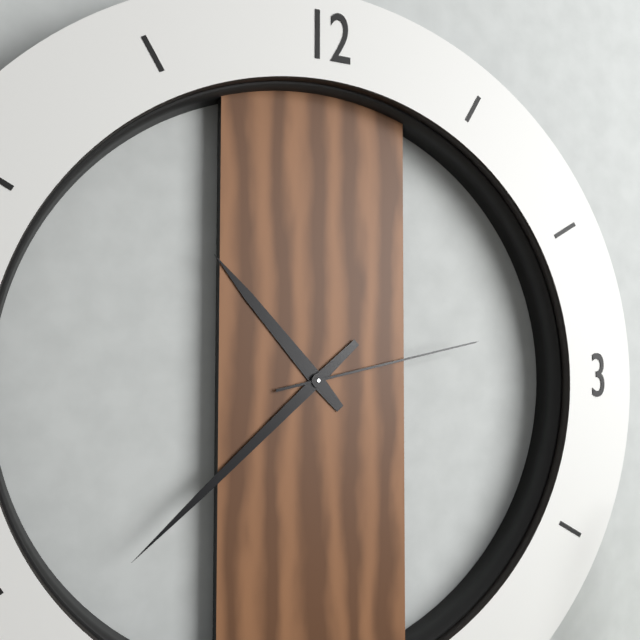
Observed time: 10:38:13
